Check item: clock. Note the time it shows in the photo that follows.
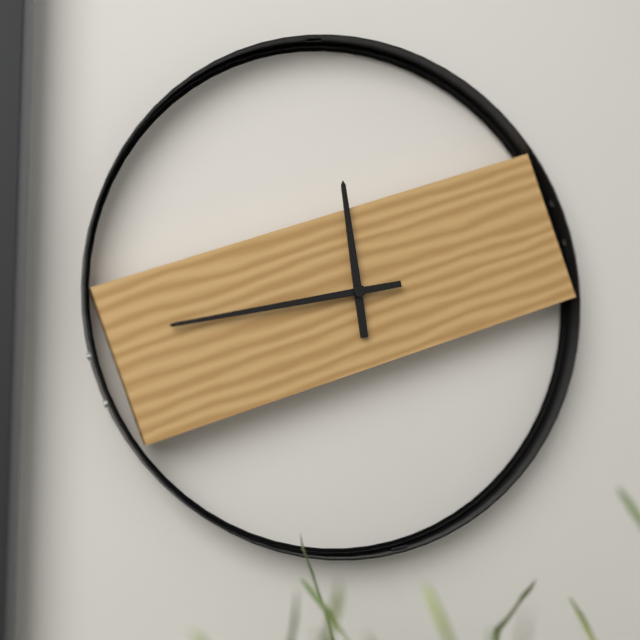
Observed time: 11:43
